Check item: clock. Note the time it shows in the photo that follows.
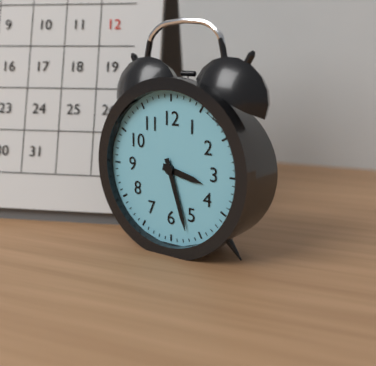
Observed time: 3:27
